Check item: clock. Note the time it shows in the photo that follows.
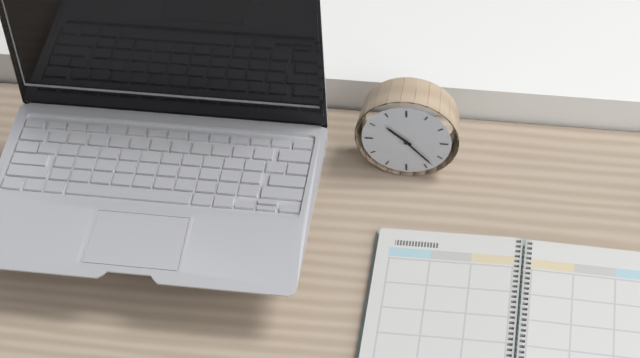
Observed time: 10:23
